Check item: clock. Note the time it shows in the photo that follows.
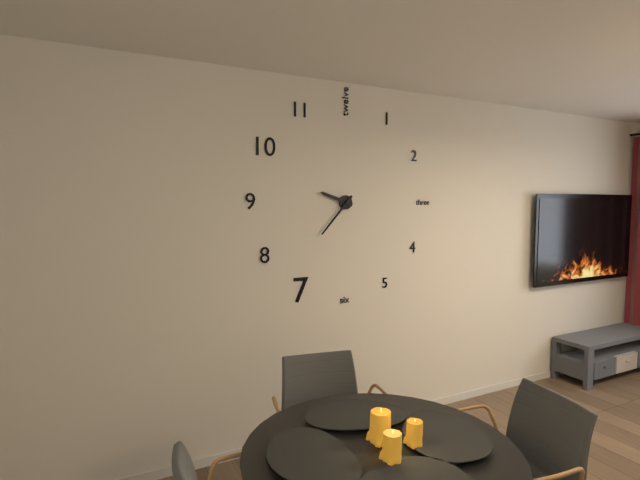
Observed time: 9:37
